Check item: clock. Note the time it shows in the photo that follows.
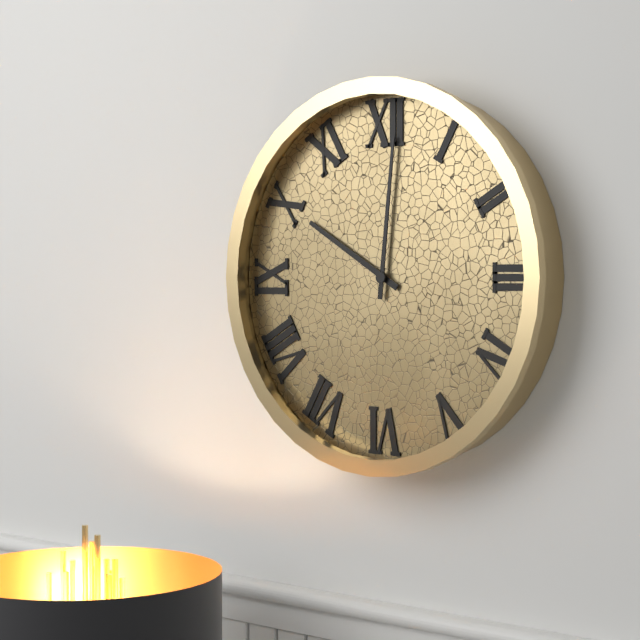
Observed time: 10:01
